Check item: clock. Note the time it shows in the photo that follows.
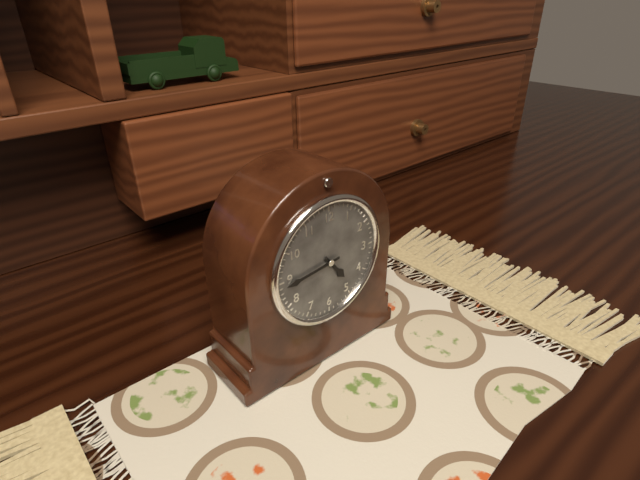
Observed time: 4:44
